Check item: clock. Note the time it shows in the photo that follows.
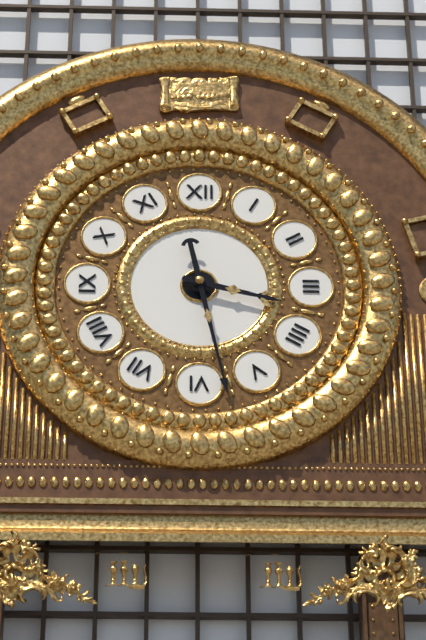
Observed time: 3:28
